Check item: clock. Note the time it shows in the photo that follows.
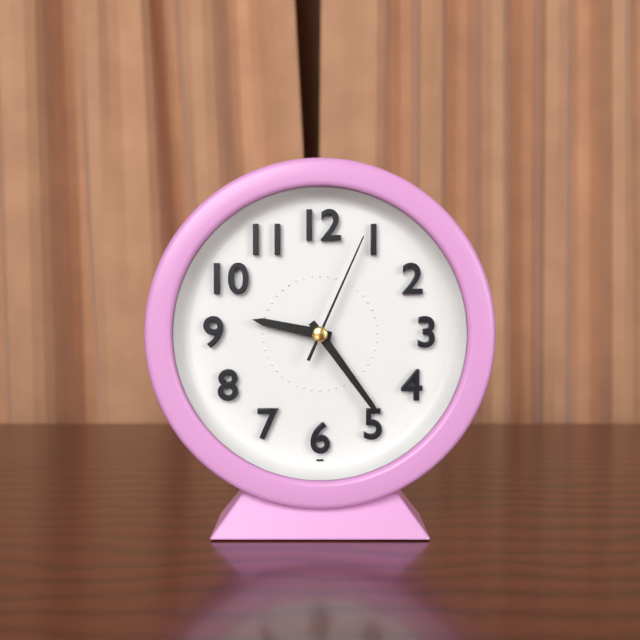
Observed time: 9:24:04
